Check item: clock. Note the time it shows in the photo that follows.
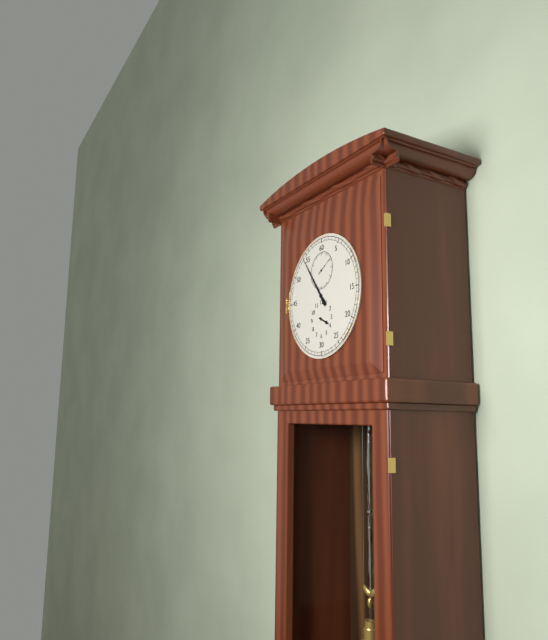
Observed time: 3:54
